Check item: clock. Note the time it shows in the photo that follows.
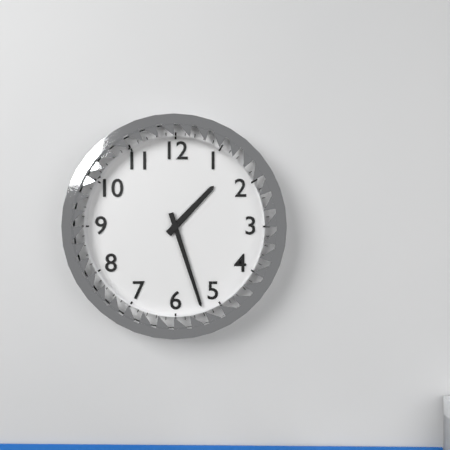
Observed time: 1:27
